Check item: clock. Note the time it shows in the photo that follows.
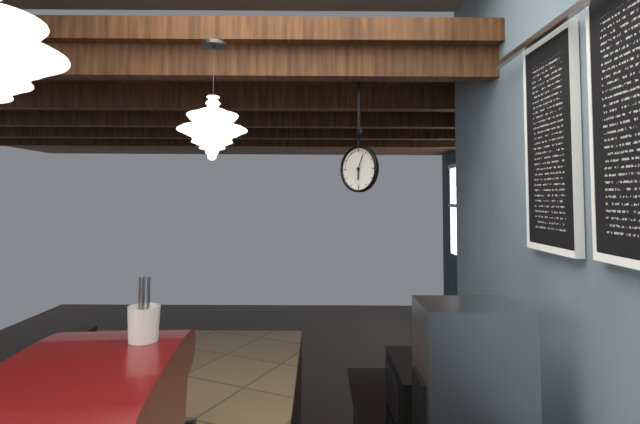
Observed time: 6:04
